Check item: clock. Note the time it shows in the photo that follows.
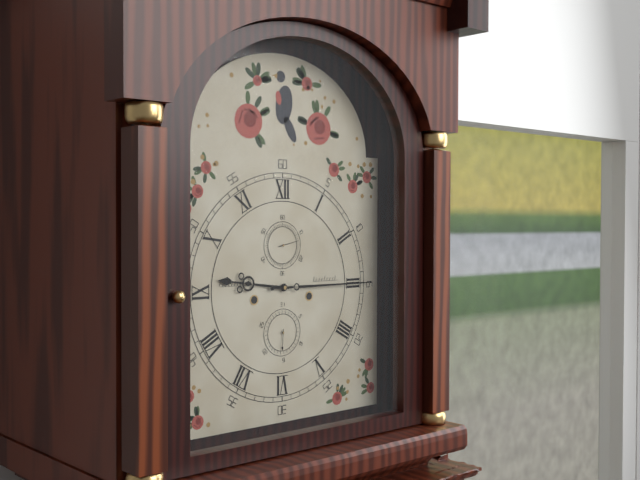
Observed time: 9:15
